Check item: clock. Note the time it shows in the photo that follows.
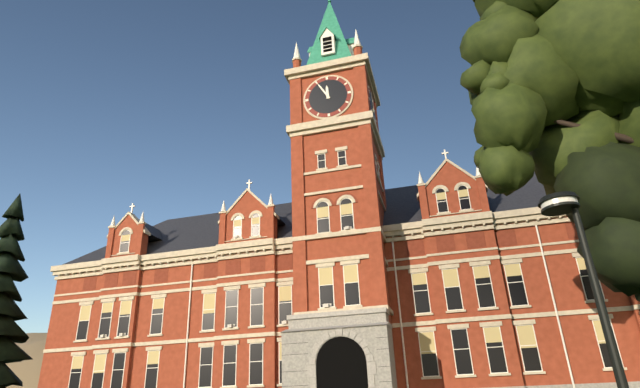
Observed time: 11:55
